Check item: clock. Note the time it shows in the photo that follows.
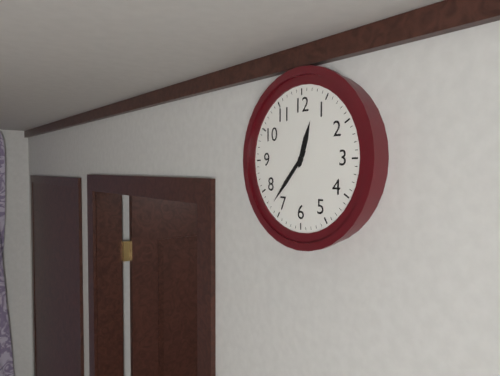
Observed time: 12:37
